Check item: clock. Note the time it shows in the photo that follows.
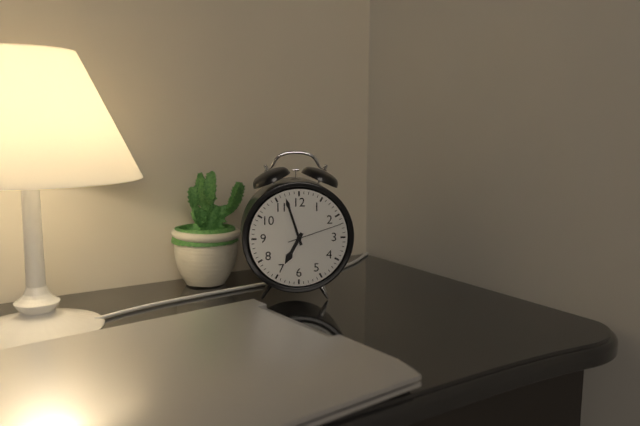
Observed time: 6:57:12
